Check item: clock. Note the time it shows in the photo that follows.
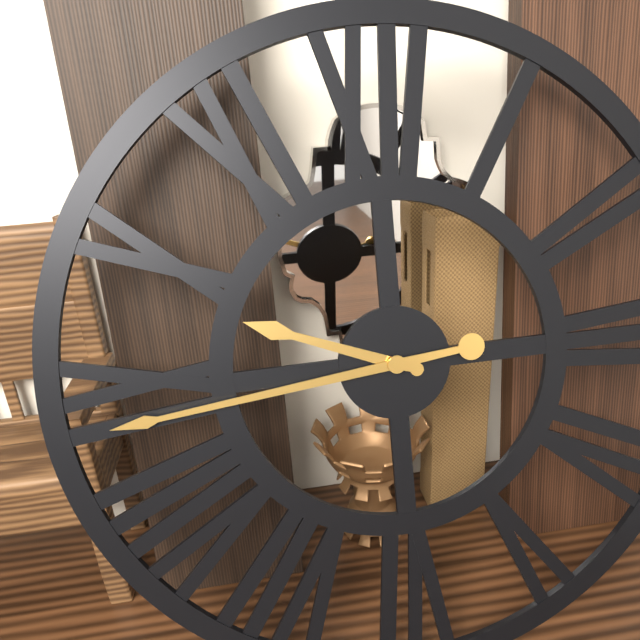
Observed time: 9:44
